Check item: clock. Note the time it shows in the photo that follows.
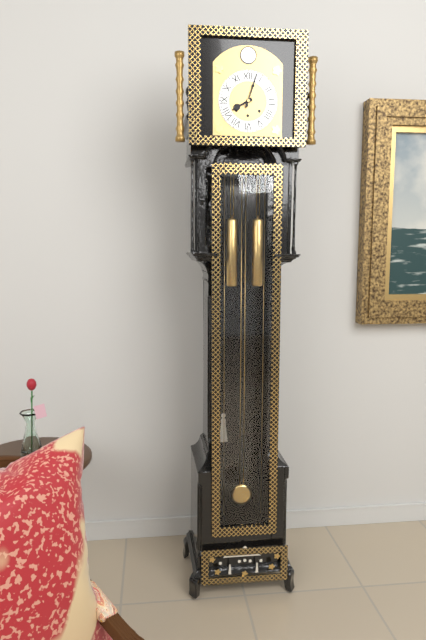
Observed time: 8:03
